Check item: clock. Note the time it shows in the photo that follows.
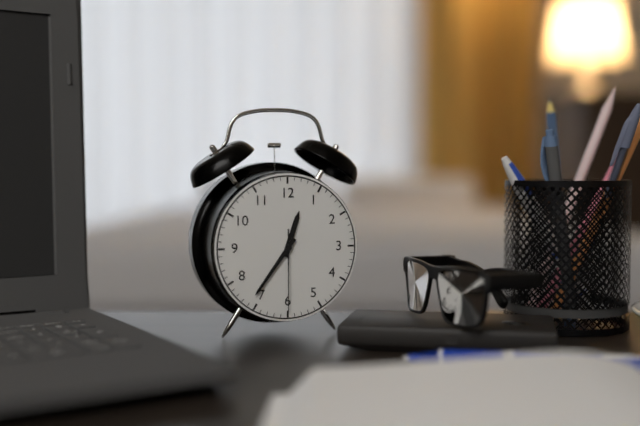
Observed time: 12:36:30
